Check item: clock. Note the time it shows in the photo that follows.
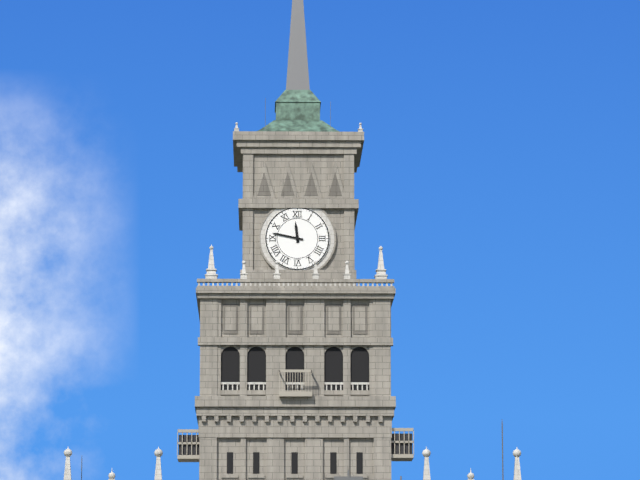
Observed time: 11:47
